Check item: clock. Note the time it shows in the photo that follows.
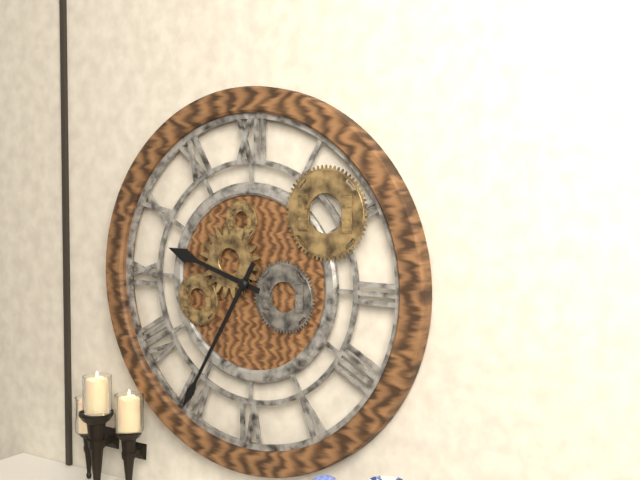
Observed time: 9:35
